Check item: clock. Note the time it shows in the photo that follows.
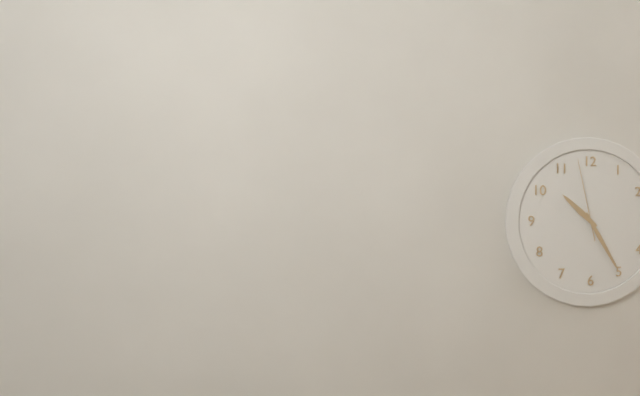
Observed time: 10:25:58
